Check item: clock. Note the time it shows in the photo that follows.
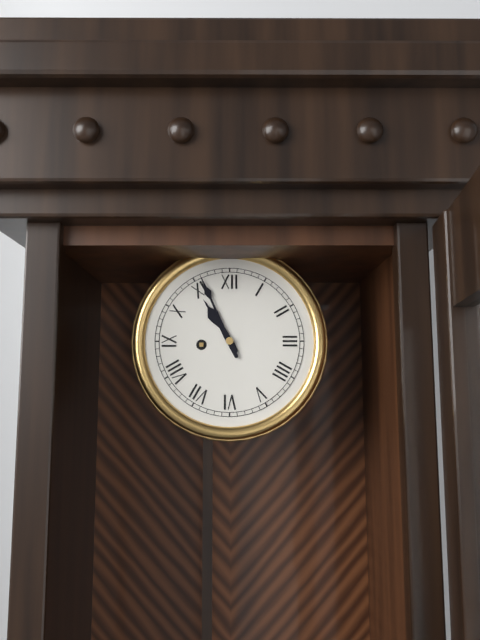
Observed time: 10:56
